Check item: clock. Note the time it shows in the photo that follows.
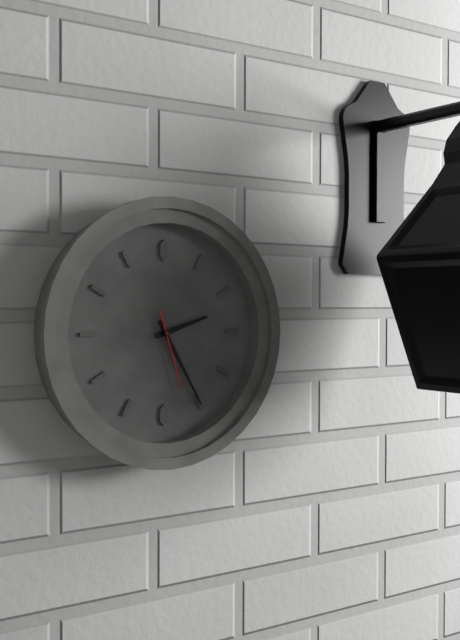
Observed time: 2:25:27
